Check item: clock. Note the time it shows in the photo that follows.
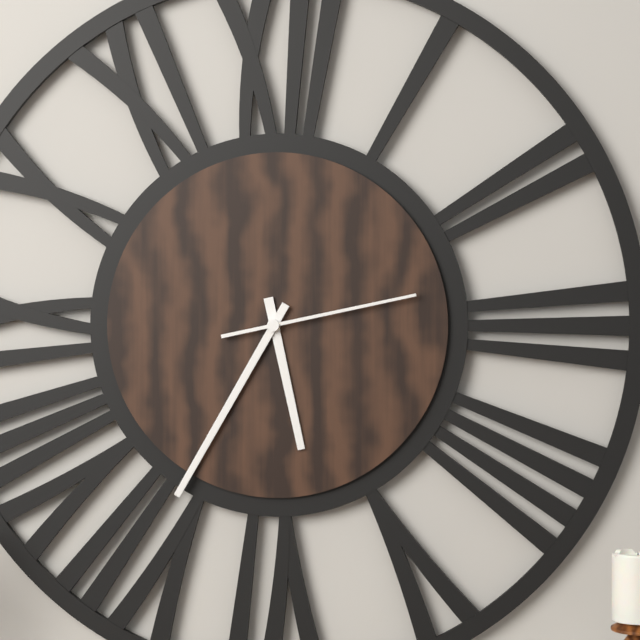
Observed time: 5:35:13
